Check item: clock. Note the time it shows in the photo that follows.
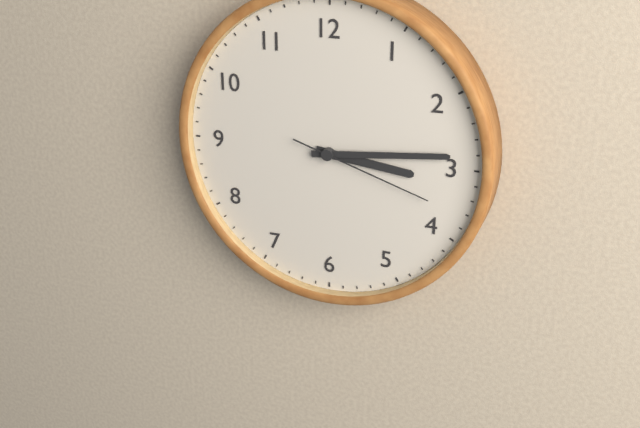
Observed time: 3:14:18
